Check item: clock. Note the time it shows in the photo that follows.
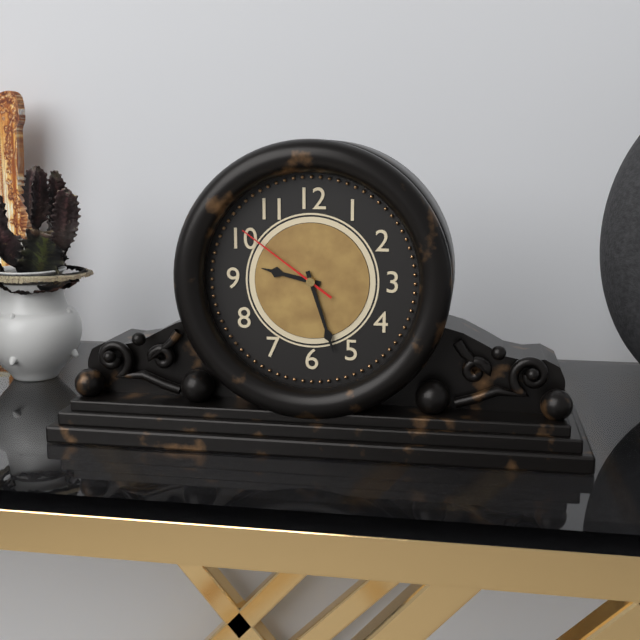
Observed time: 9:27:51
